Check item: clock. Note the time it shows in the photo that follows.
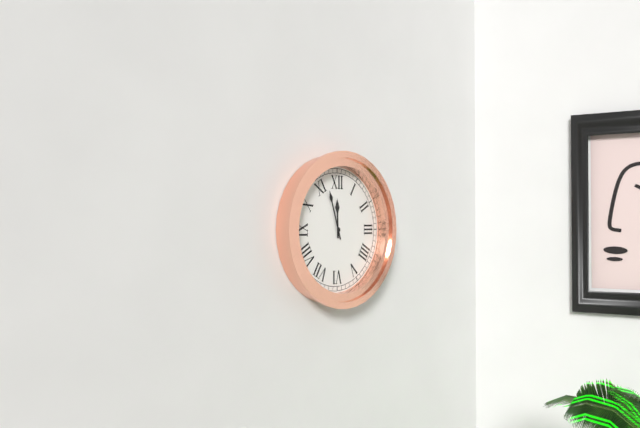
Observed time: 11:57
